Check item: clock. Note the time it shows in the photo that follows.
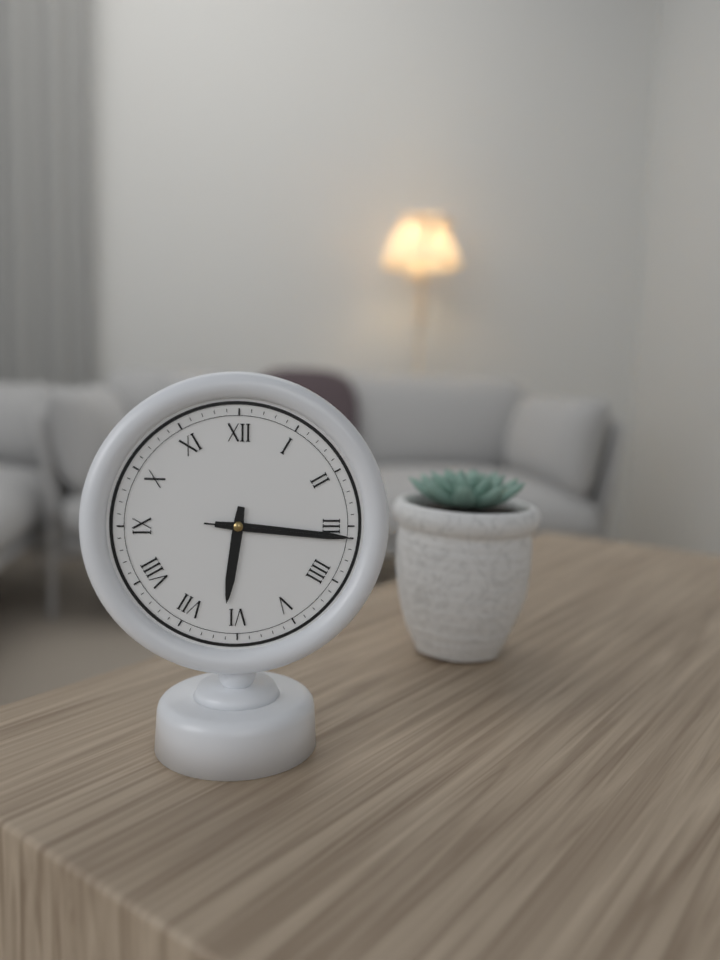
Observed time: 6:16:16
